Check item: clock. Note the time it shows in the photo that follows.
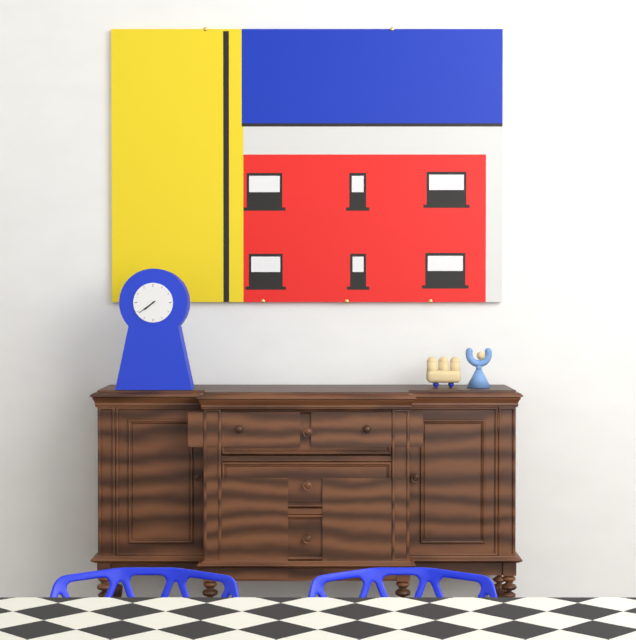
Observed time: 7:39
